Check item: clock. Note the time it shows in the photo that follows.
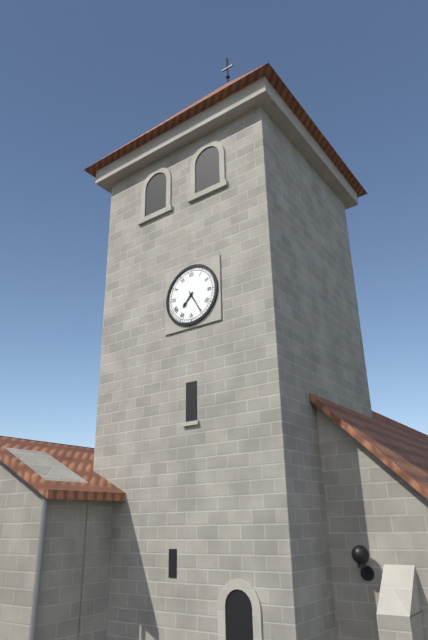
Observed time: 7:25
